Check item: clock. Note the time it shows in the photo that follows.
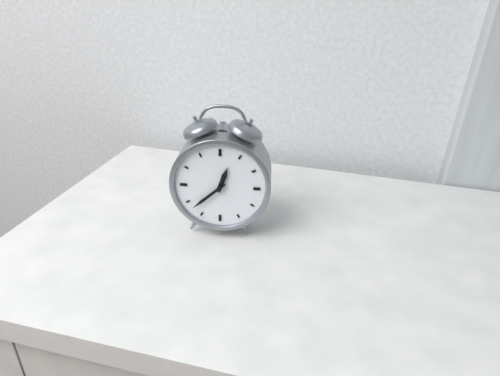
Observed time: 12:38
